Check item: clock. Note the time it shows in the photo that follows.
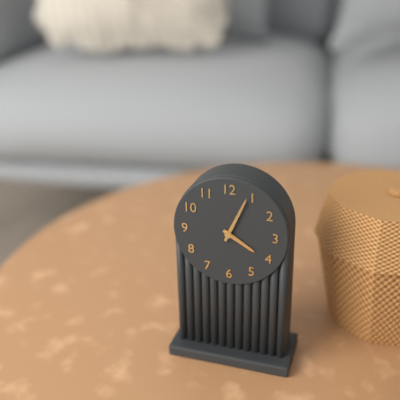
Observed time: 4:04
